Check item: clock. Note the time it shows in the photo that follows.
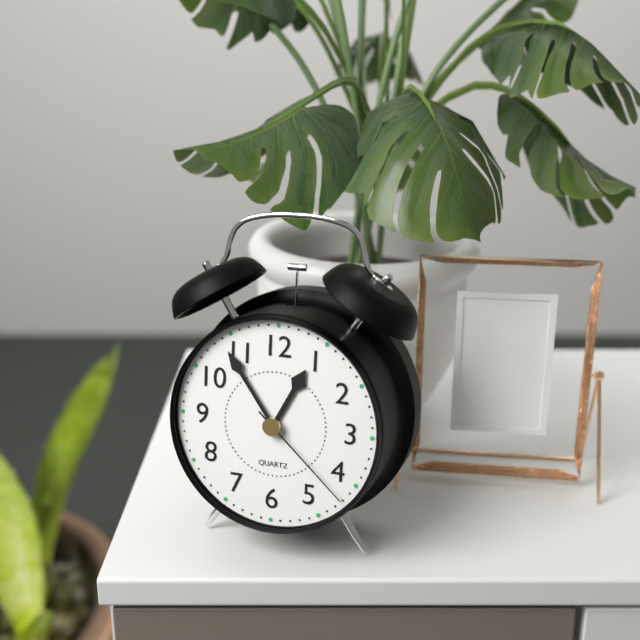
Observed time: 12:54:22
